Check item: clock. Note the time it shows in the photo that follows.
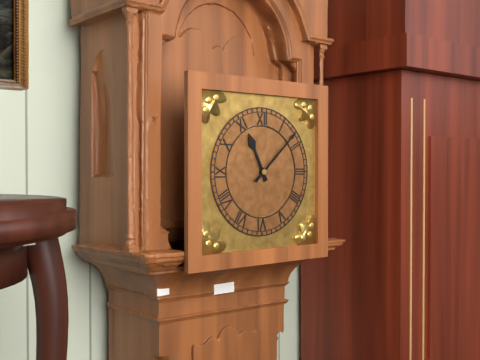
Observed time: 11:08
